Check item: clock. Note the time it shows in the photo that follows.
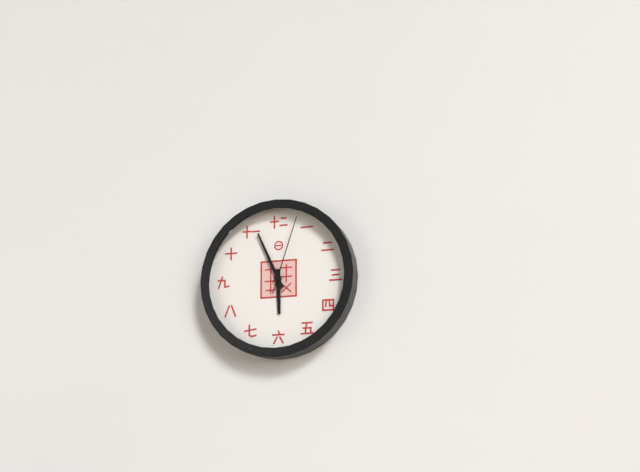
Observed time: 5:56:03
